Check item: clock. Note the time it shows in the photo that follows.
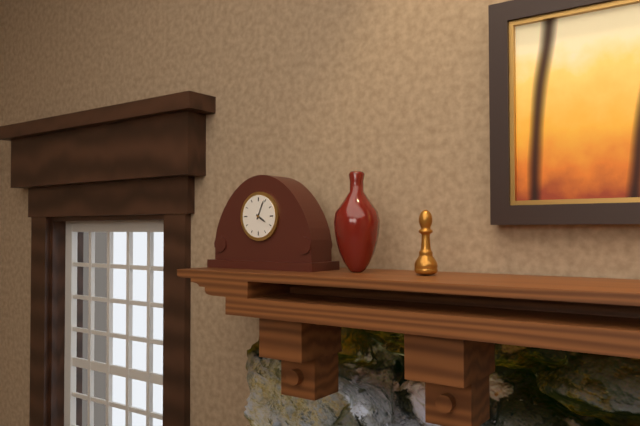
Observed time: 4:04
